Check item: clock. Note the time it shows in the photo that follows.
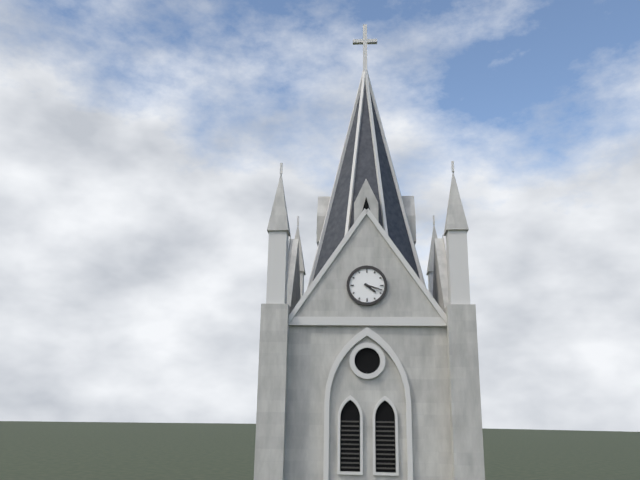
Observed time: 4:18
